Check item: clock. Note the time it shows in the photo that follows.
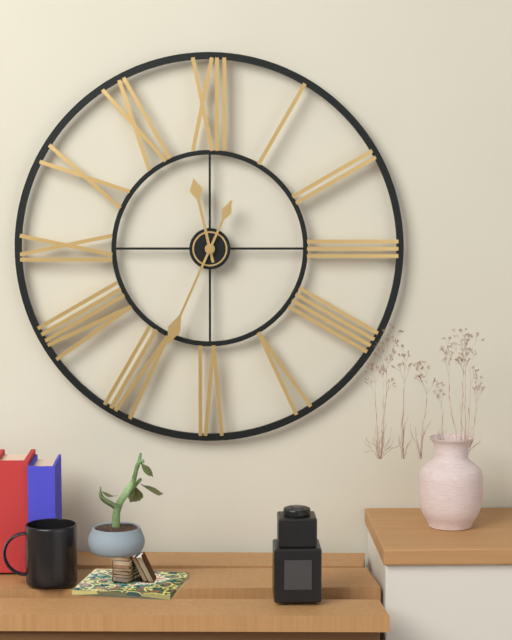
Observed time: 11:34
